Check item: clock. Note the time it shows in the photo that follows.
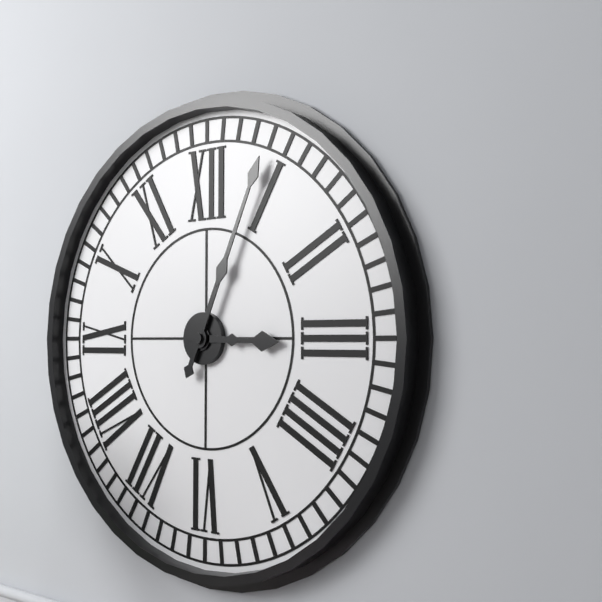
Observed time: 3:04
